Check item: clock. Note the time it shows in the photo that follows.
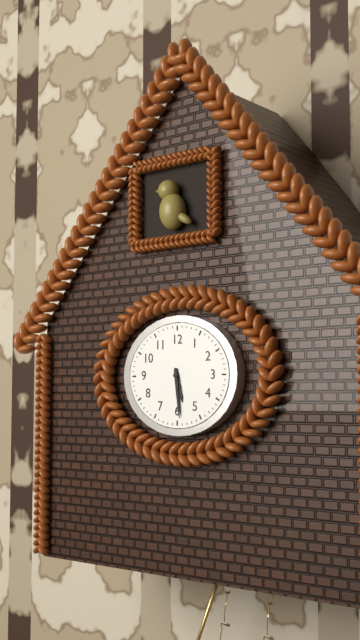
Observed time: 5:29
